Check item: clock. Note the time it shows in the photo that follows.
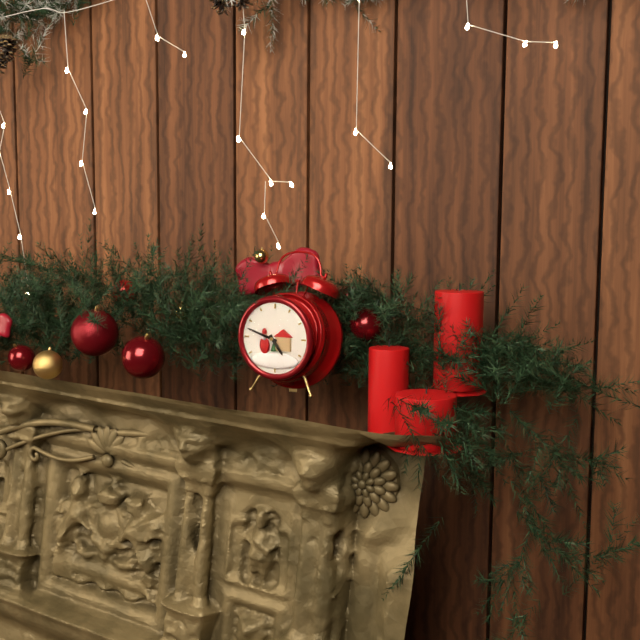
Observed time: 4:48
